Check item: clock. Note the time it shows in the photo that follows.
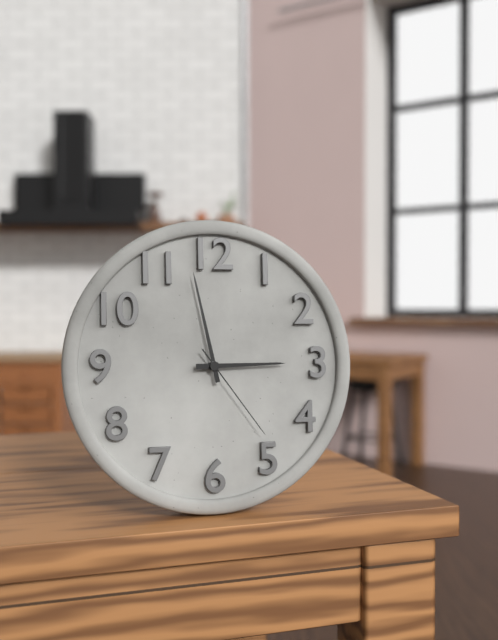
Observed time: 2:58:24
